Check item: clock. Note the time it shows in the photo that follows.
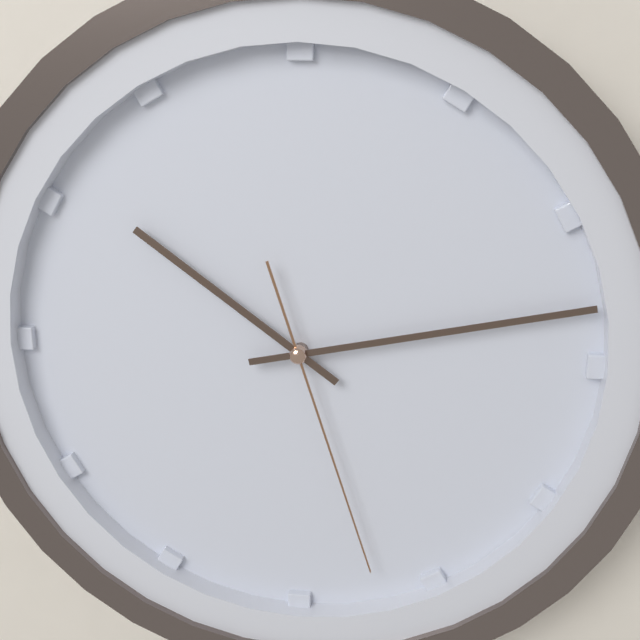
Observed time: 10:13:27
